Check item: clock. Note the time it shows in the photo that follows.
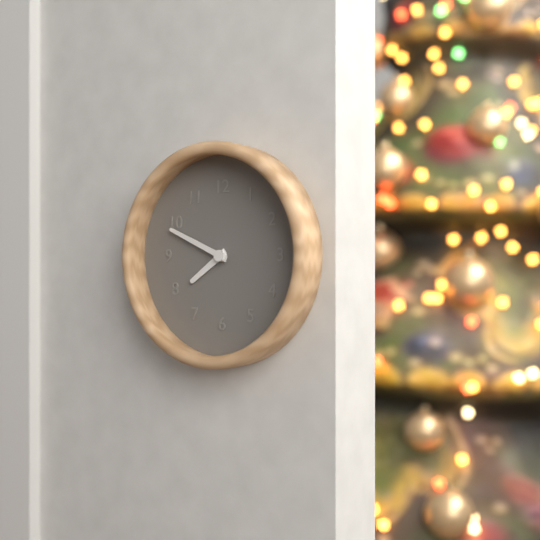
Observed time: 7:49
